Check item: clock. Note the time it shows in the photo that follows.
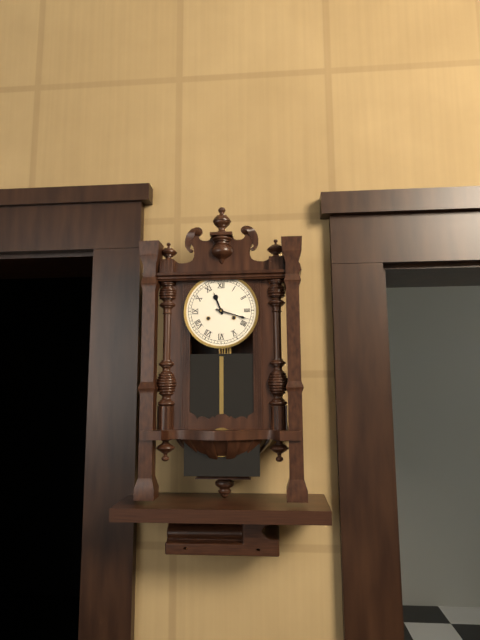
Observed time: 11:18
